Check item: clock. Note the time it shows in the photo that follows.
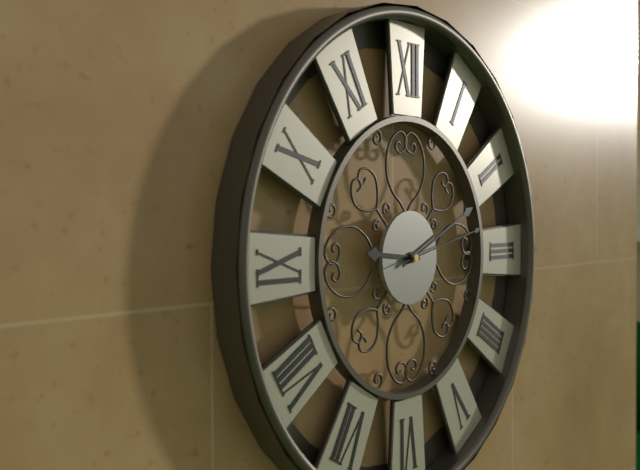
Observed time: 9:11:13
